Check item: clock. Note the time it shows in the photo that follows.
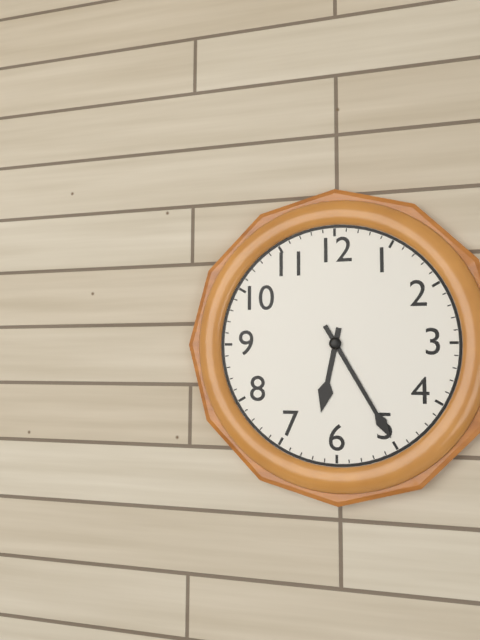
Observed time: 6:25
